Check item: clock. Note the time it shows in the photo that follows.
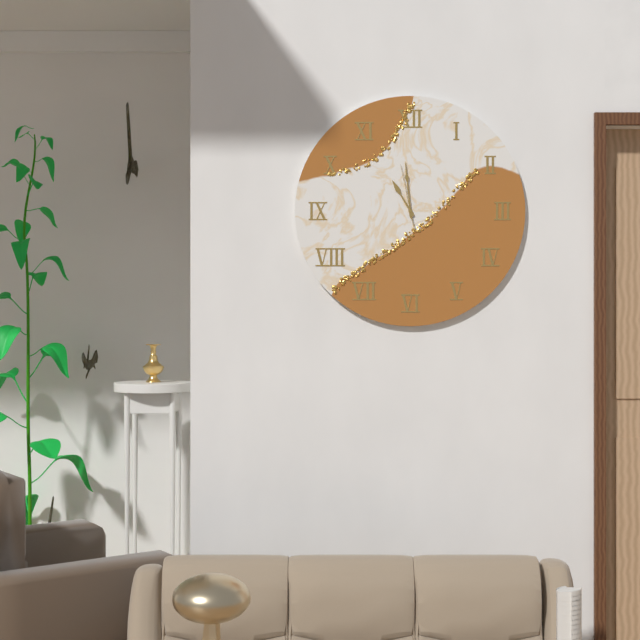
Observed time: 10:59:58
